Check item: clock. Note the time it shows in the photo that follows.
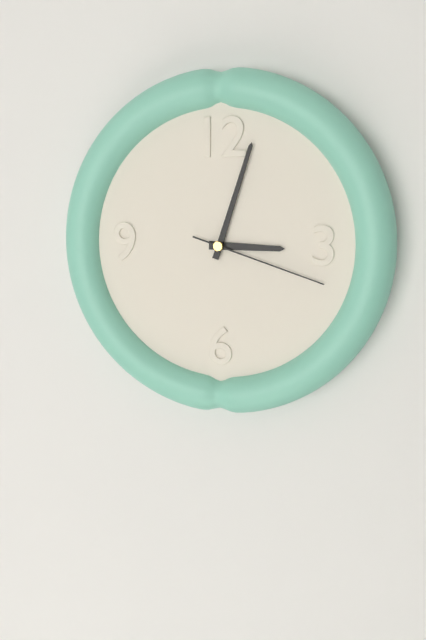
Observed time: 3:03:18
